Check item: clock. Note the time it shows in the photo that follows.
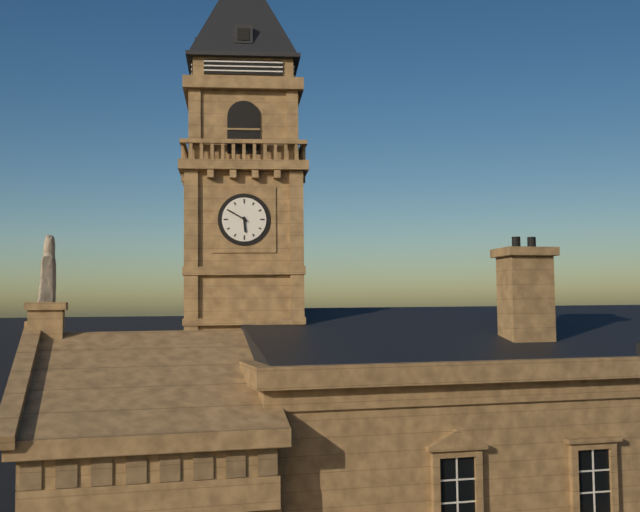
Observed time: 5:50
